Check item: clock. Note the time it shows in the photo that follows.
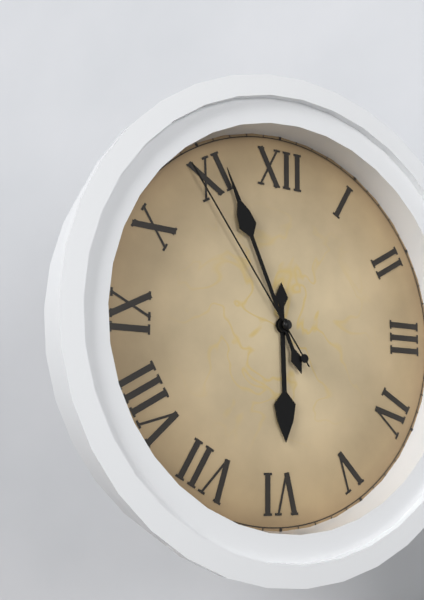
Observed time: 5:56:54
